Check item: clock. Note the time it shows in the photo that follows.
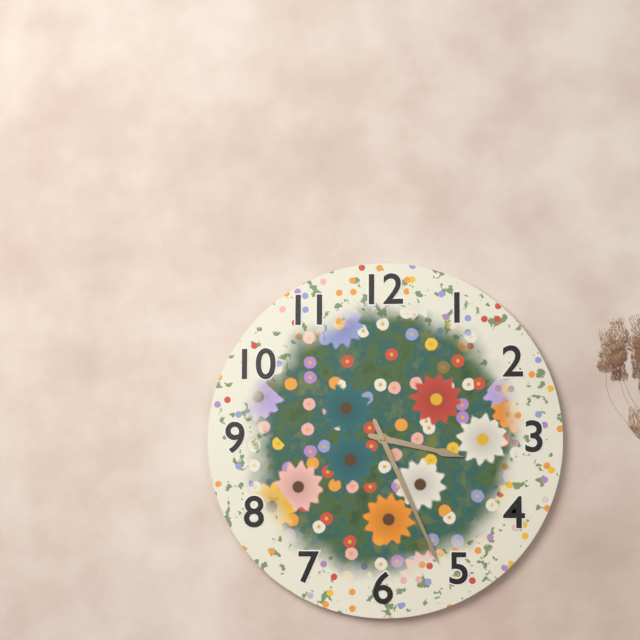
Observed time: 3:26
